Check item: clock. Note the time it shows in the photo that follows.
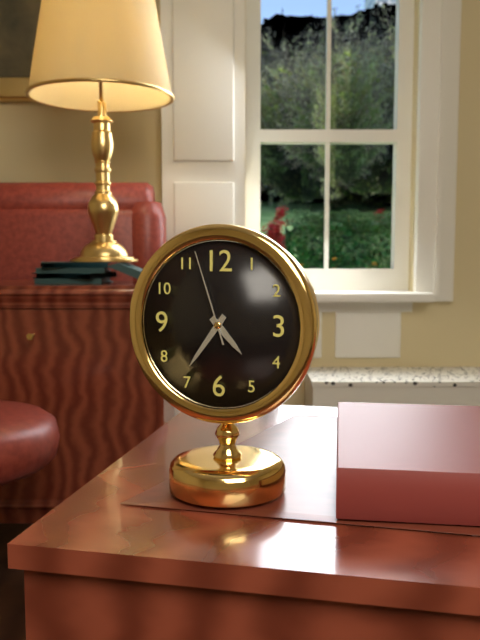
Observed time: 4:36:57
